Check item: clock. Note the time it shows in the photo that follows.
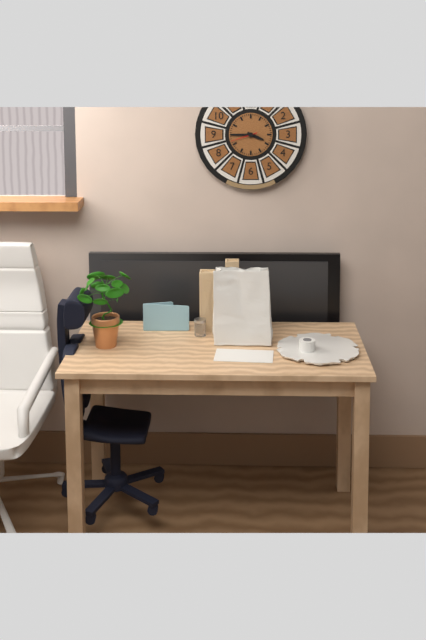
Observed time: 3:45
